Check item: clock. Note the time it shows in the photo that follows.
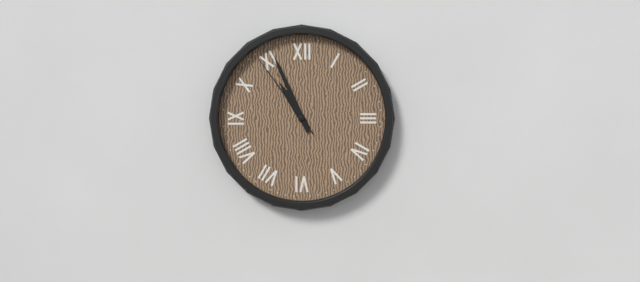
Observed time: 10:56:54
